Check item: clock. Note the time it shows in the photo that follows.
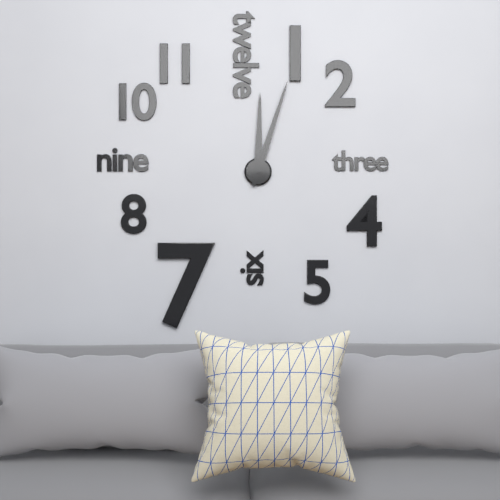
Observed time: 12:03
